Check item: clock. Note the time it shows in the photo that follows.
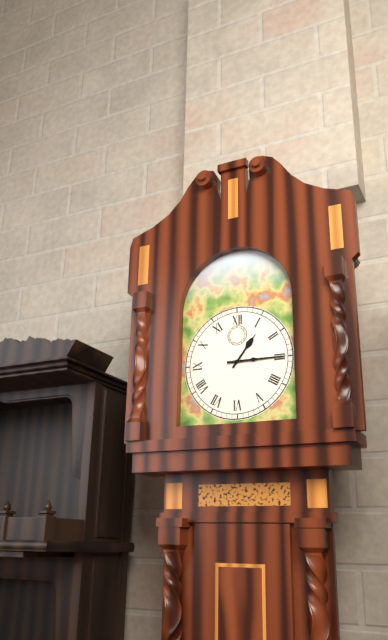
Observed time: 1:15
